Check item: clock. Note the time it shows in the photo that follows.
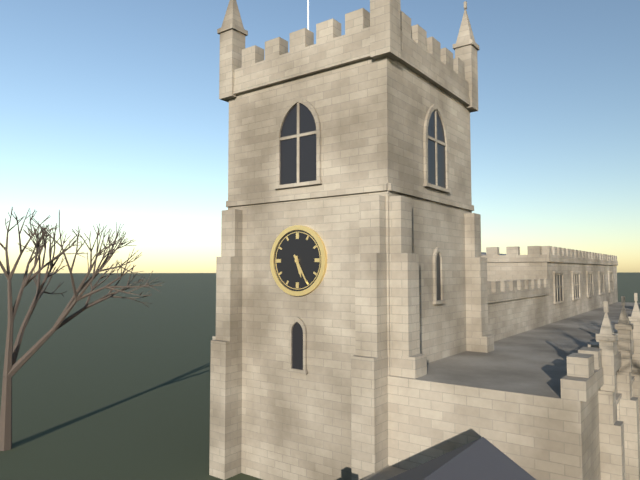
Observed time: 5:25
